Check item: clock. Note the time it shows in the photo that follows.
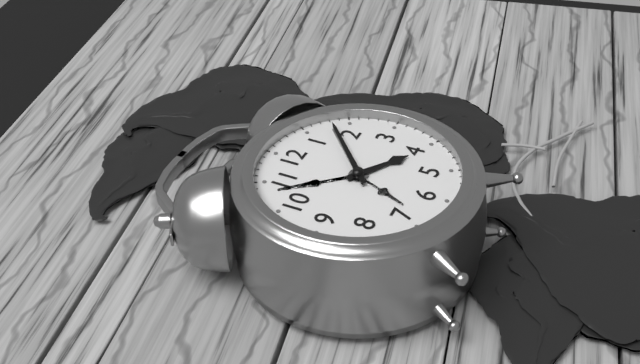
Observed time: 4:08
